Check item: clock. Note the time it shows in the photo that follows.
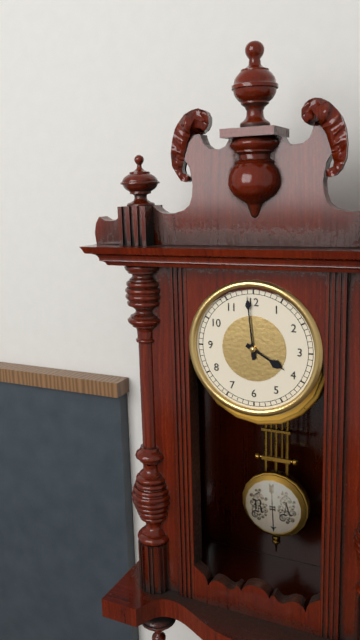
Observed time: 3:59
